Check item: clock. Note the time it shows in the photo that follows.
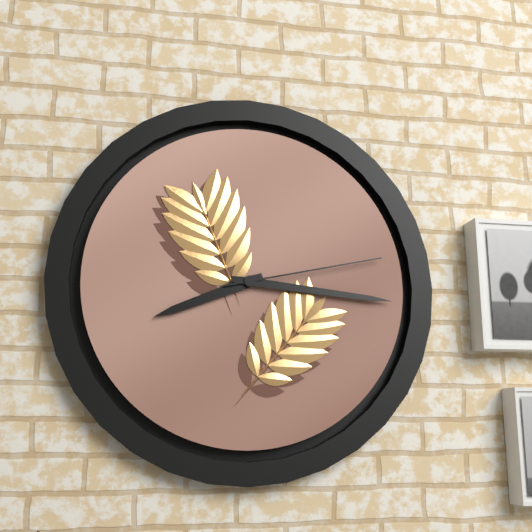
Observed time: 8:16:13
